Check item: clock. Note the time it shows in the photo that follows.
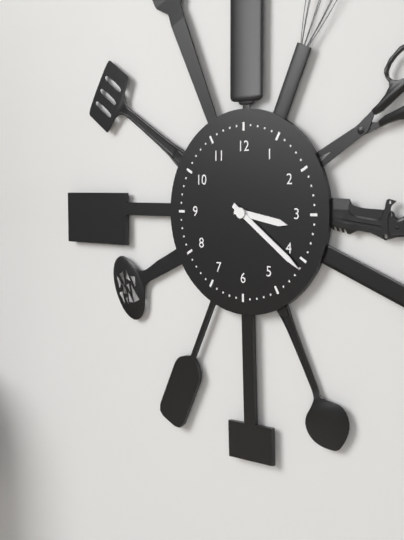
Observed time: 3:21
